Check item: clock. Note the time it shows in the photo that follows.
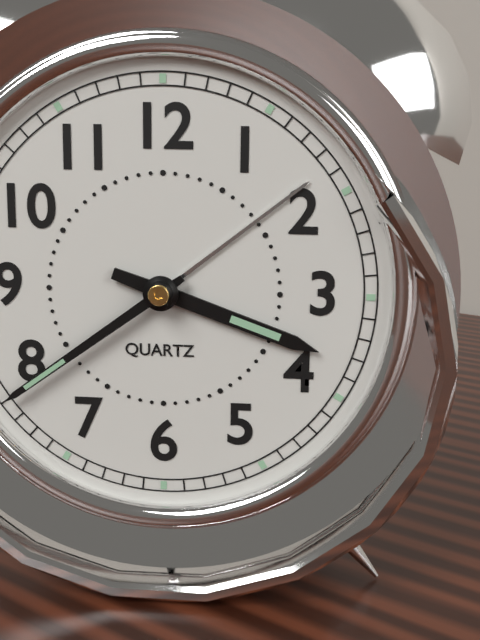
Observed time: 3:39
